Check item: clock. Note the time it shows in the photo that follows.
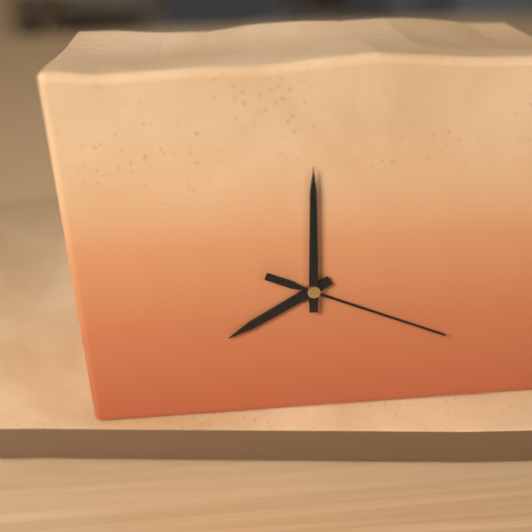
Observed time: 8:00:19
